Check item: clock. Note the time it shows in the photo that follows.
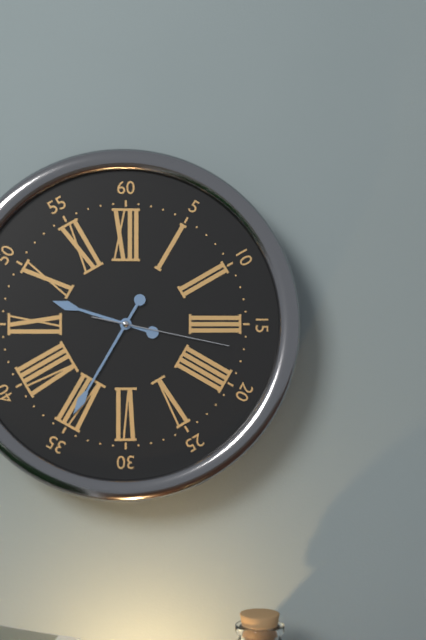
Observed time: 9:35:17
